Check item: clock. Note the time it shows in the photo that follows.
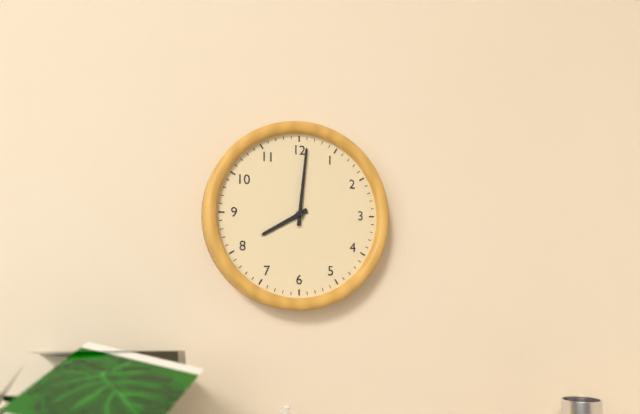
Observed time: 8:01
